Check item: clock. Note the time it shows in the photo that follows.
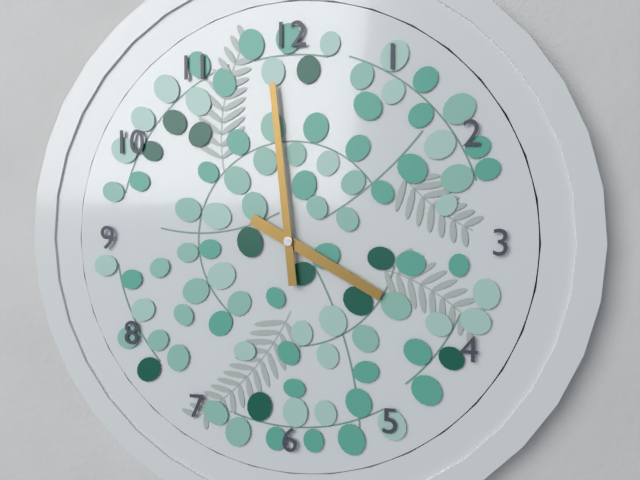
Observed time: 3:59
